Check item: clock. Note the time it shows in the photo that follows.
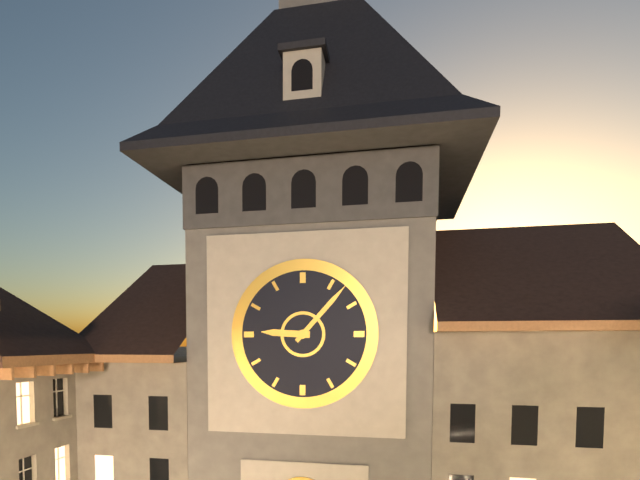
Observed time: 9:07
